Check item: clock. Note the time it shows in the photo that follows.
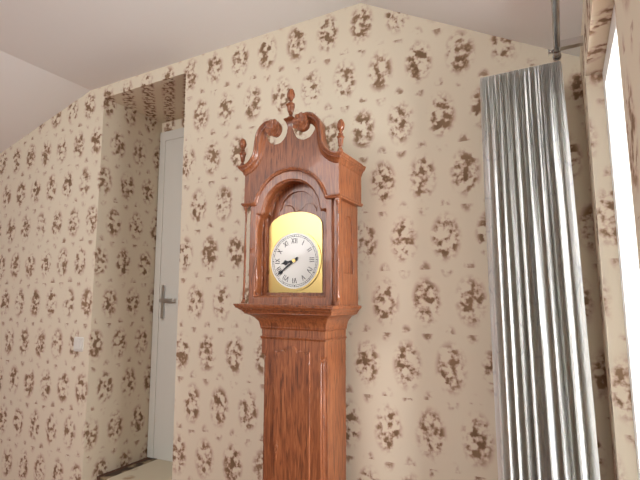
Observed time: 8:39
